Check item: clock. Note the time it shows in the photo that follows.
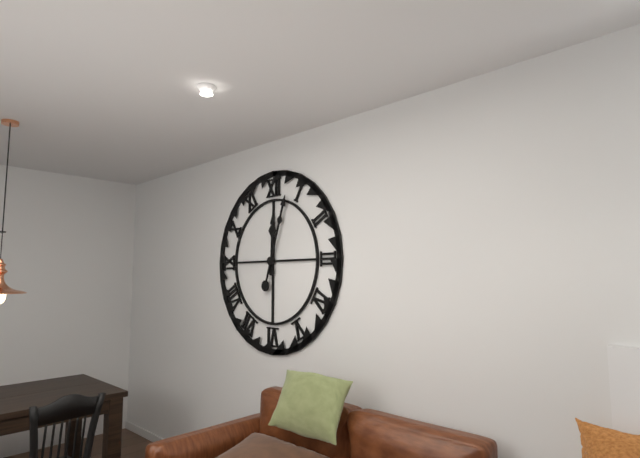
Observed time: 12:03
